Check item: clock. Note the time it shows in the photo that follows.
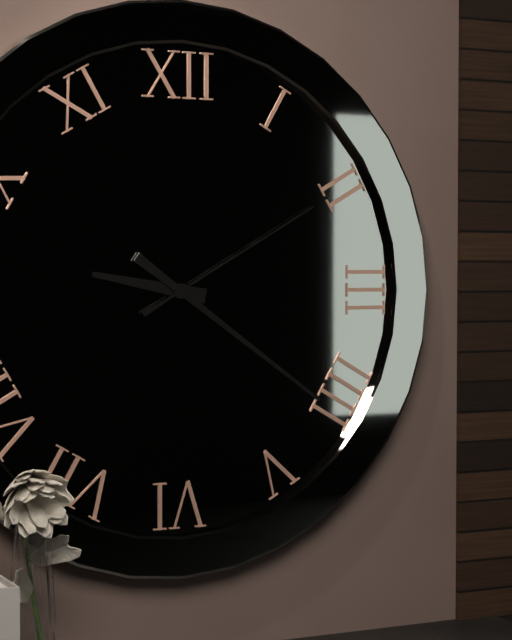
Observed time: 9:21:10
